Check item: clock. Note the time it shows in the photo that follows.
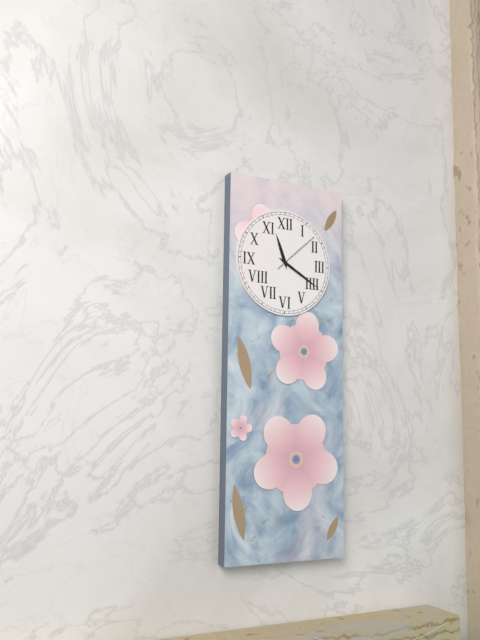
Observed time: 11:20
